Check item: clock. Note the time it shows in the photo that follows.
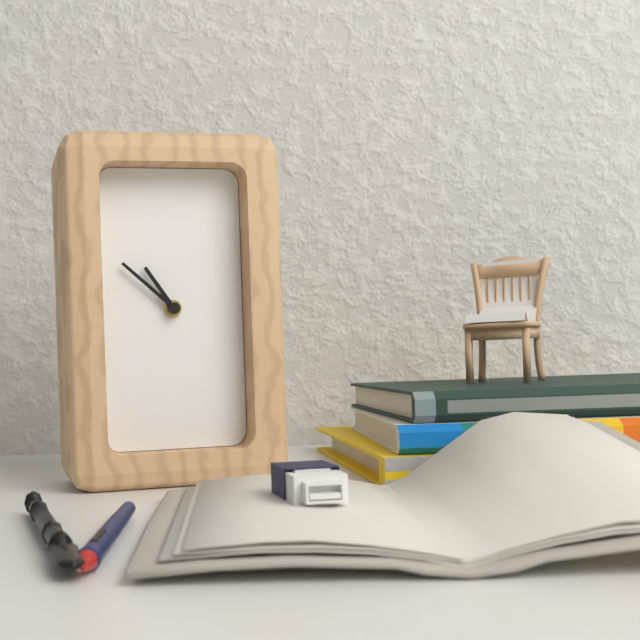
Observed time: 10:52
